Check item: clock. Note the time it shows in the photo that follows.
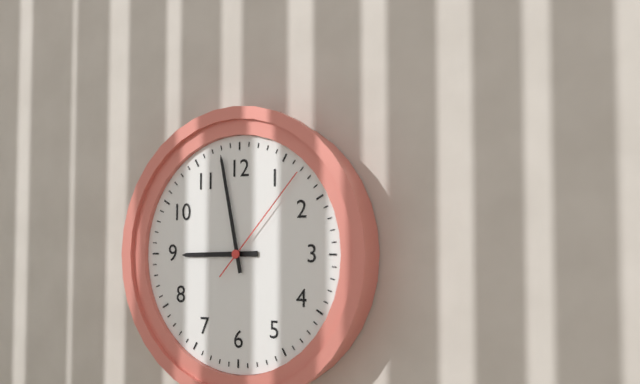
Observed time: 8:58:07
